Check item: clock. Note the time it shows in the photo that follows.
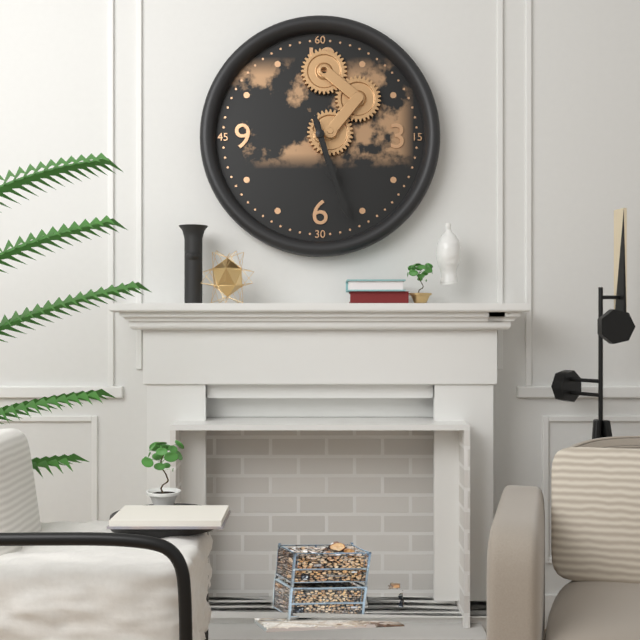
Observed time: 5:27
